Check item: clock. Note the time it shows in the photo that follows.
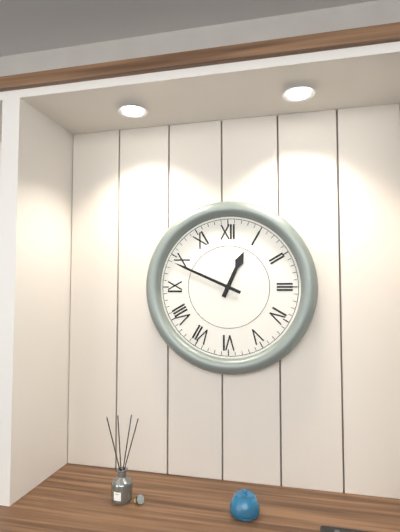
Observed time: 12:49
